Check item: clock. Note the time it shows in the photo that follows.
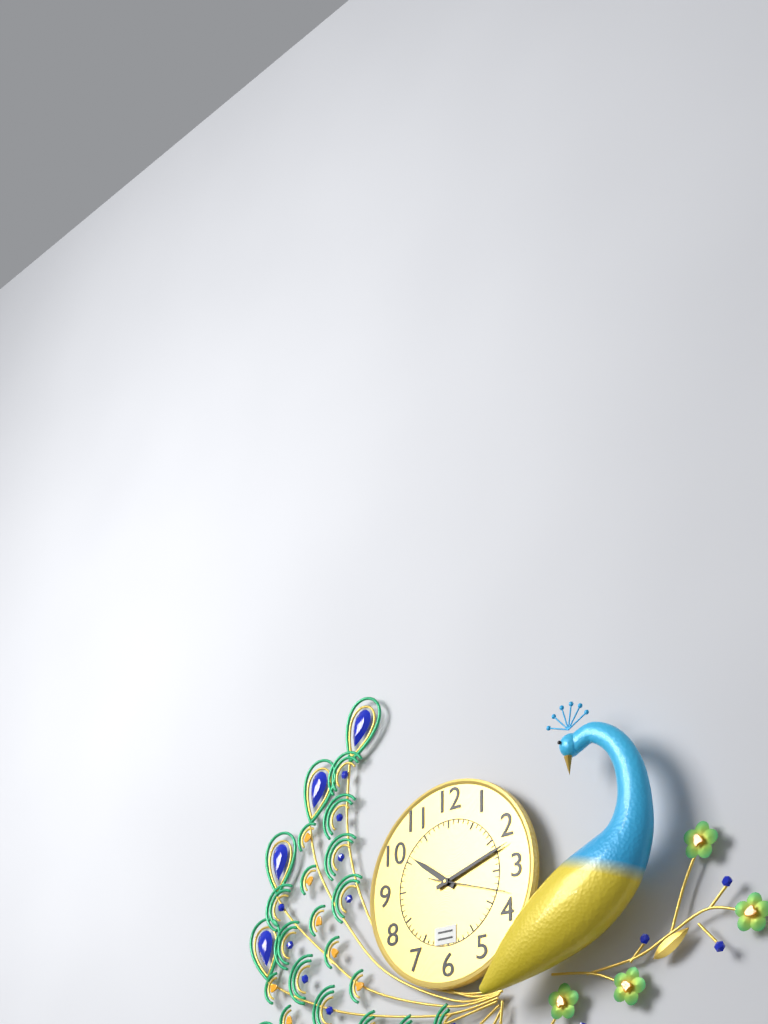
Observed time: 10:12:18
